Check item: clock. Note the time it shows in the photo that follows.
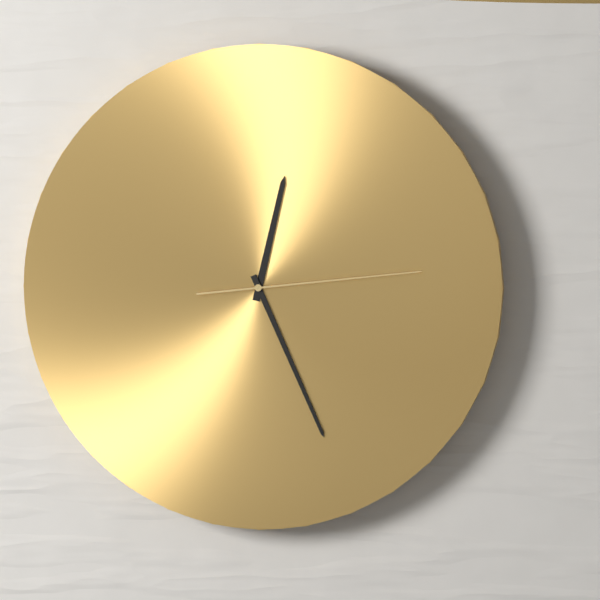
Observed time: 12:26:14
